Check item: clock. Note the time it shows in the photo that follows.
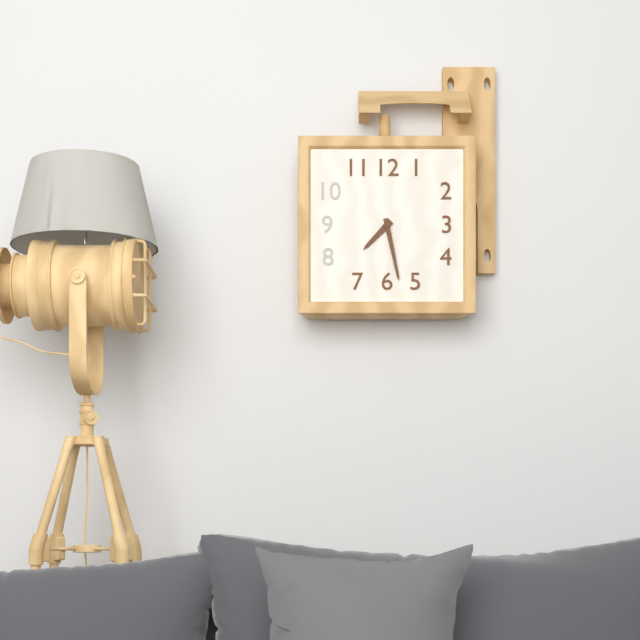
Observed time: 7:28
